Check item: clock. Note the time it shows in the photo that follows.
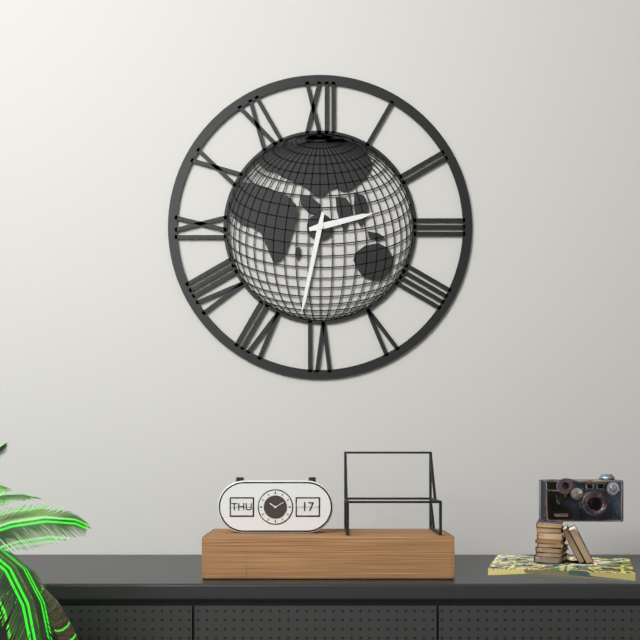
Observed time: 2:32
